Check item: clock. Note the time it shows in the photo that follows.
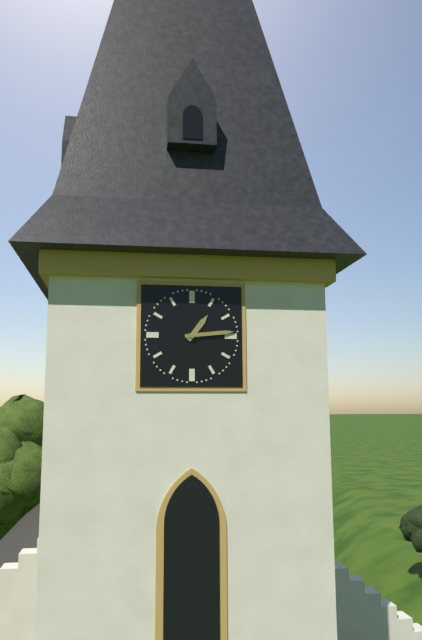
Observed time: 1:14
